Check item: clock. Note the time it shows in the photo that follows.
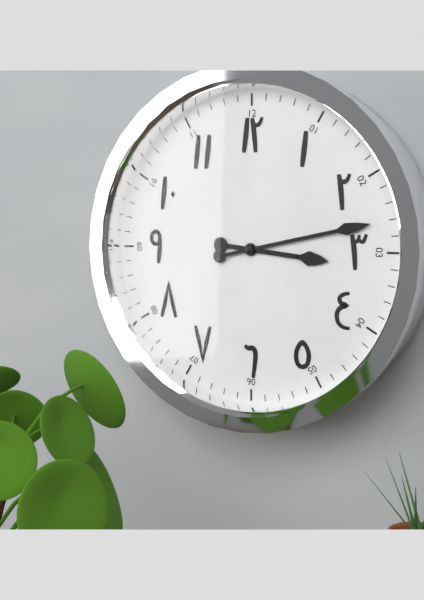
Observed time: 3:13
